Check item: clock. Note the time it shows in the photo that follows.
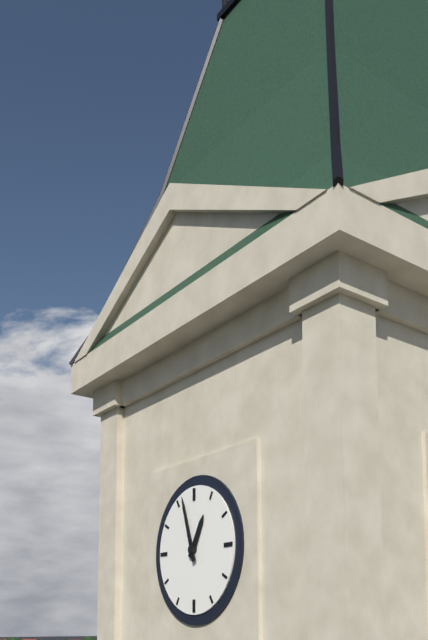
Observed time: 12:57
